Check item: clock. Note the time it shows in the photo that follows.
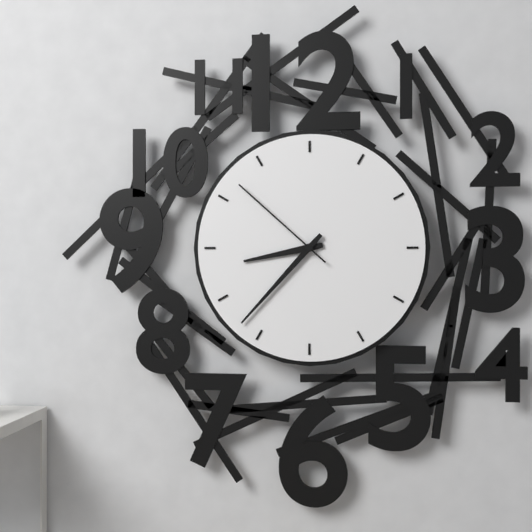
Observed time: 8:37:52
